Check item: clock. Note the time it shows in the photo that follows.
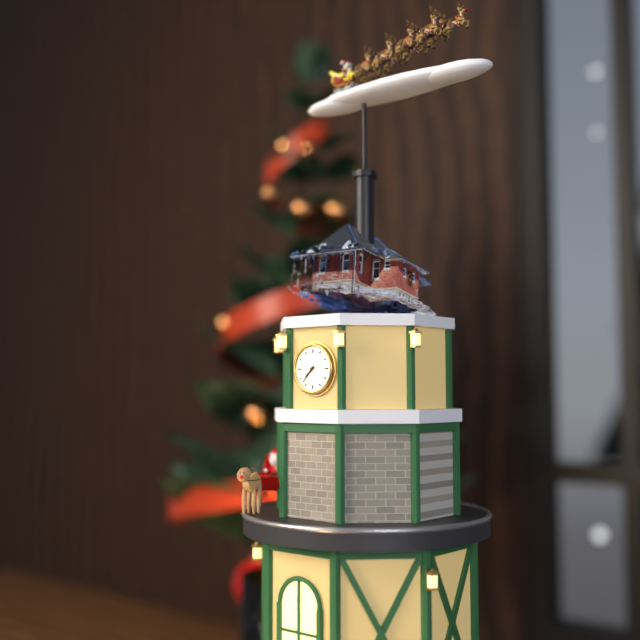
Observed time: 7:37
